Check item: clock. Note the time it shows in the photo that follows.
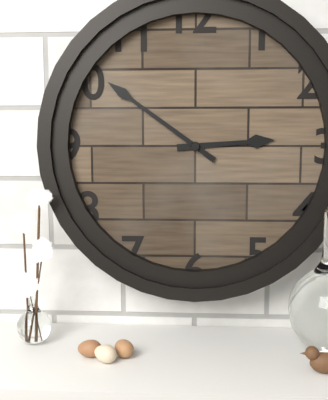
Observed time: 2:51
